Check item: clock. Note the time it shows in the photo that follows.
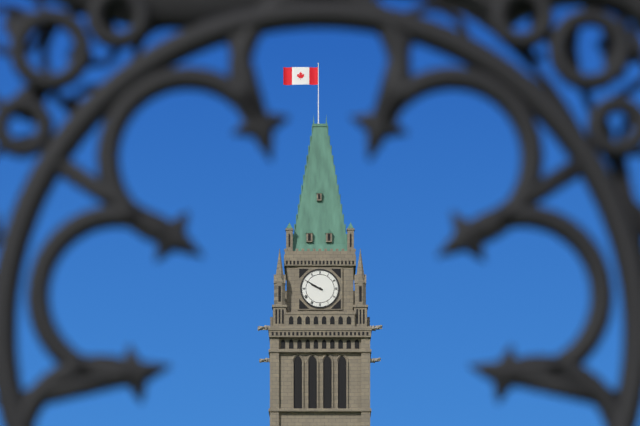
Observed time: 9:50
